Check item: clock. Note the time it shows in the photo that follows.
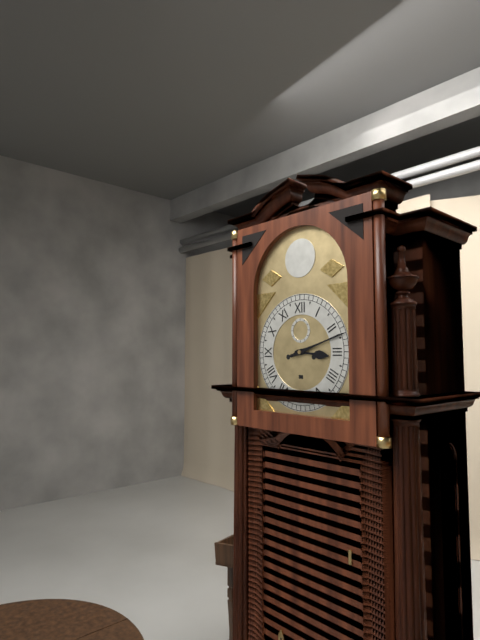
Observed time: 3:12
